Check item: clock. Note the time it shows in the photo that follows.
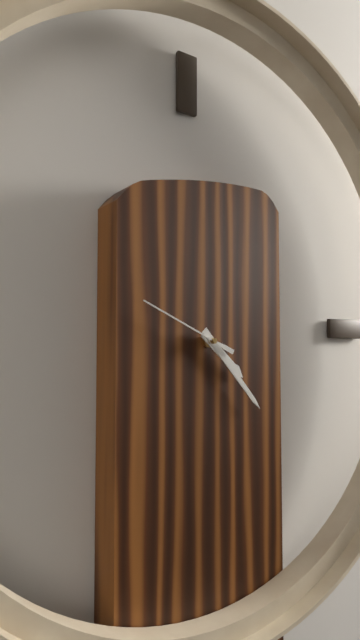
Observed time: 4:23:49
